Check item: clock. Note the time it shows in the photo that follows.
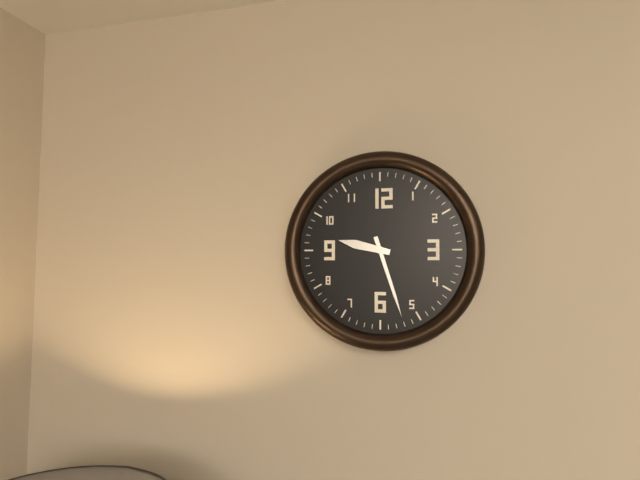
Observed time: 9:27
